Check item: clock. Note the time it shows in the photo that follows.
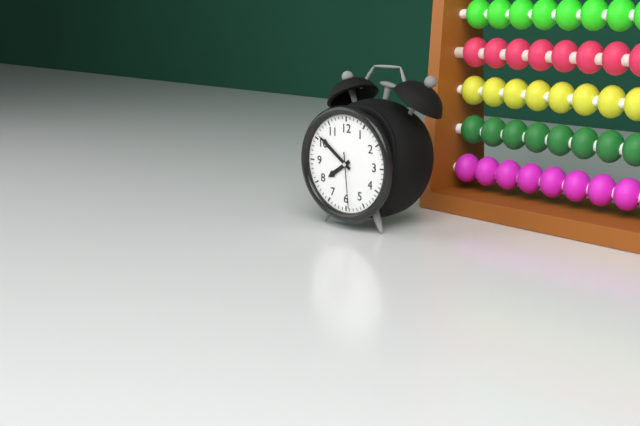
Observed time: 7:51:29
